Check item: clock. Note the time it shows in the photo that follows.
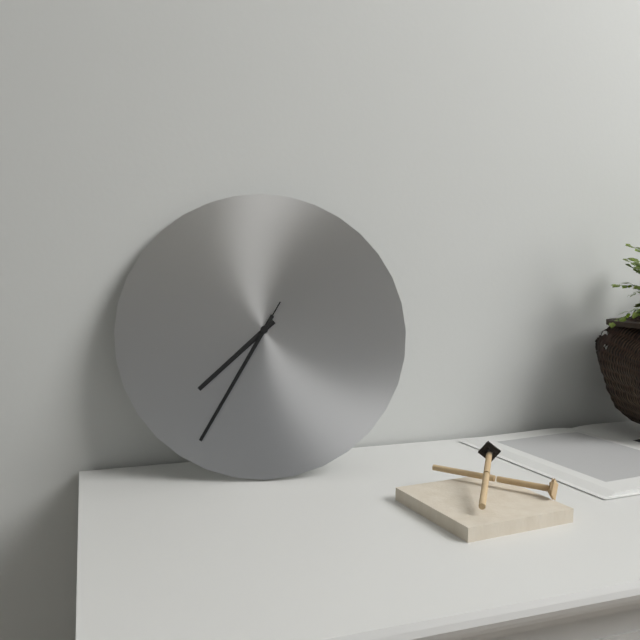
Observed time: 7:35:35
